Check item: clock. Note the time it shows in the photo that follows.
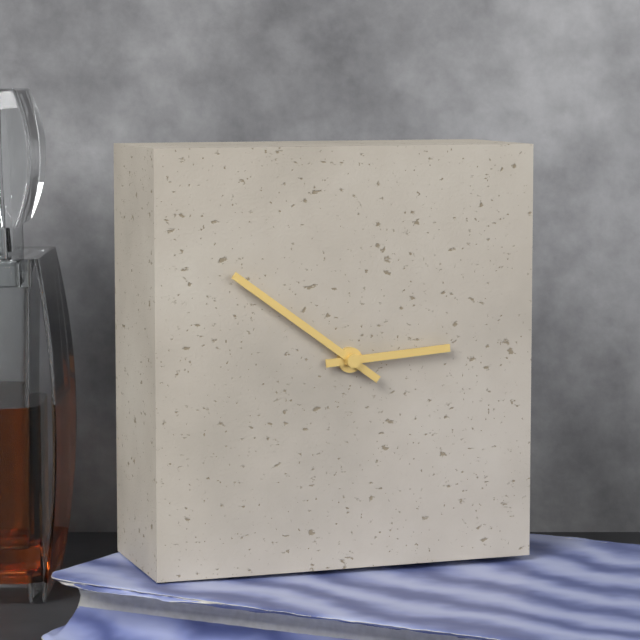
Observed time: 2:51
